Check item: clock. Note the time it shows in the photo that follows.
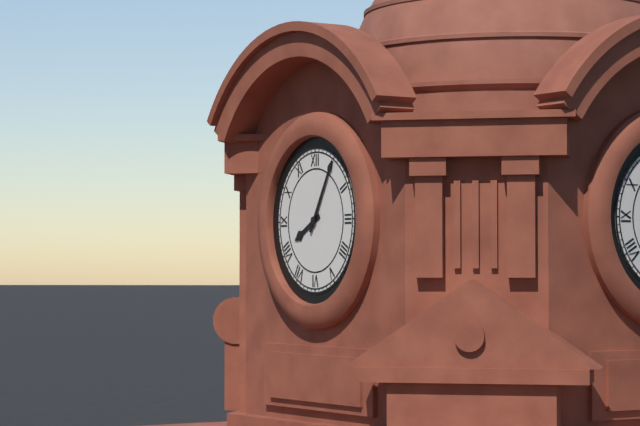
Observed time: 8:05
